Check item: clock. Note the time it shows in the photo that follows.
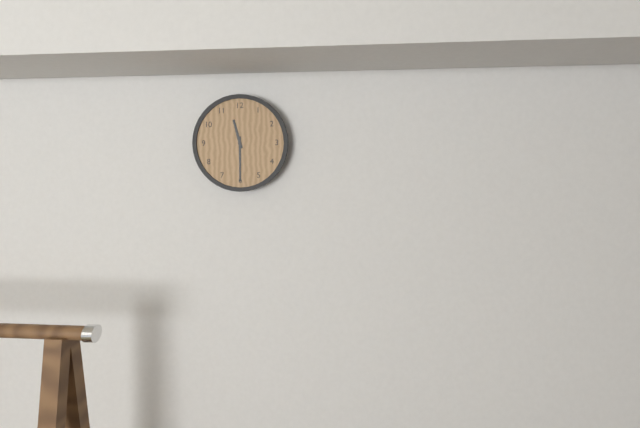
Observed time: 11:30
